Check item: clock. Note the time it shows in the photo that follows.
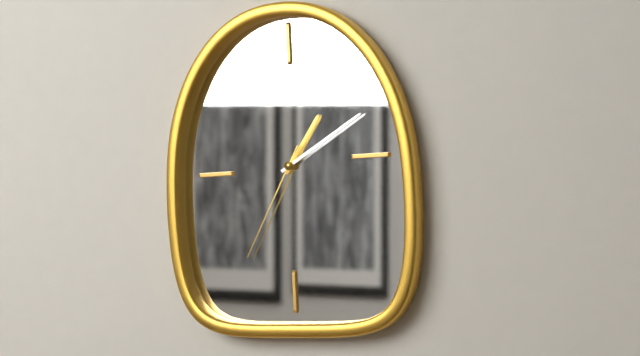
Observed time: 1:10:35
